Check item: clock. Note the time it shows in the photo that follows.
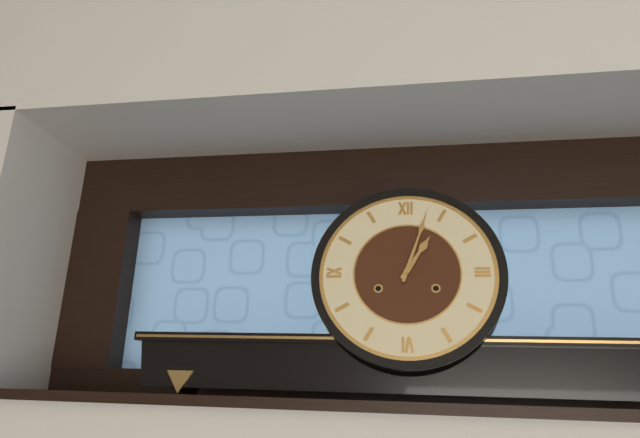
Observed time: 1:03
